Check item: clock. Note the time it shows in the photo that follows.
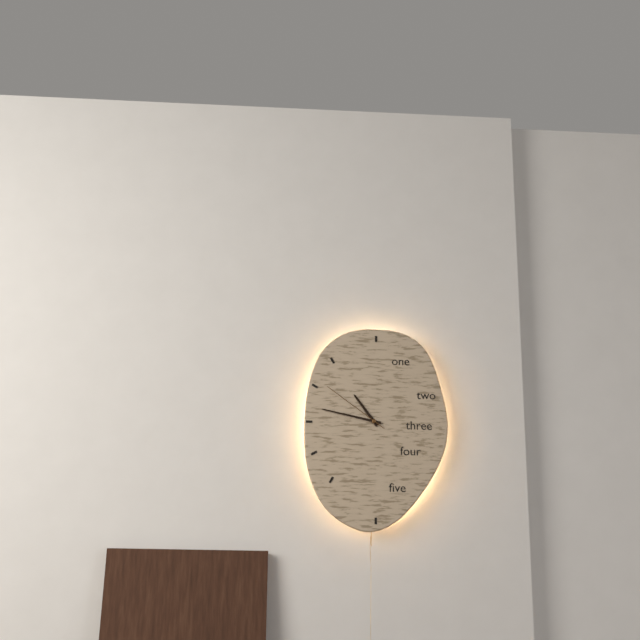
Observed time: 10:47:51
